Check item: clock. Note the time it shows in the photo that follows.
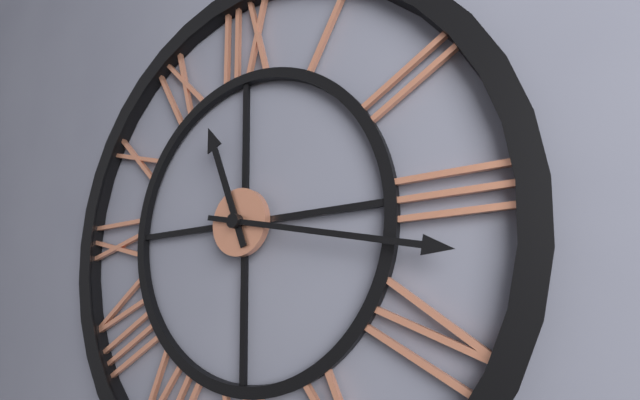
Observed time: 11:17
